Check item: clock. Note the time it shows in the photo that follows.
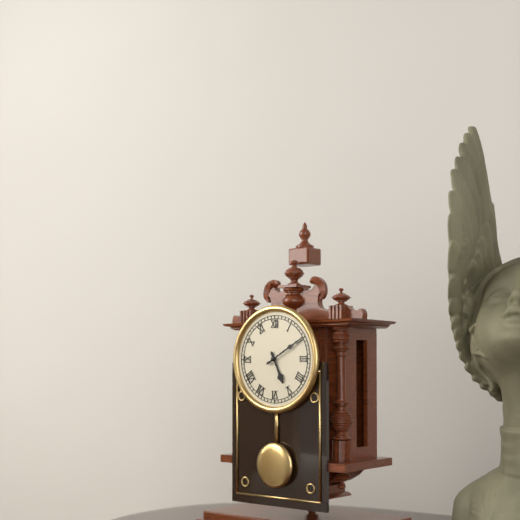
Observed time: 5:10
